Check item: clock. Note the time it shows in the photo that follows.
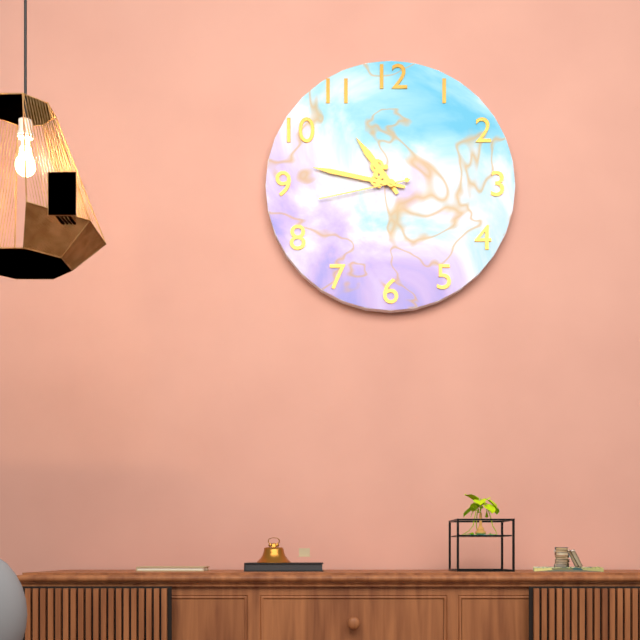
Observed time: 10:47:43
